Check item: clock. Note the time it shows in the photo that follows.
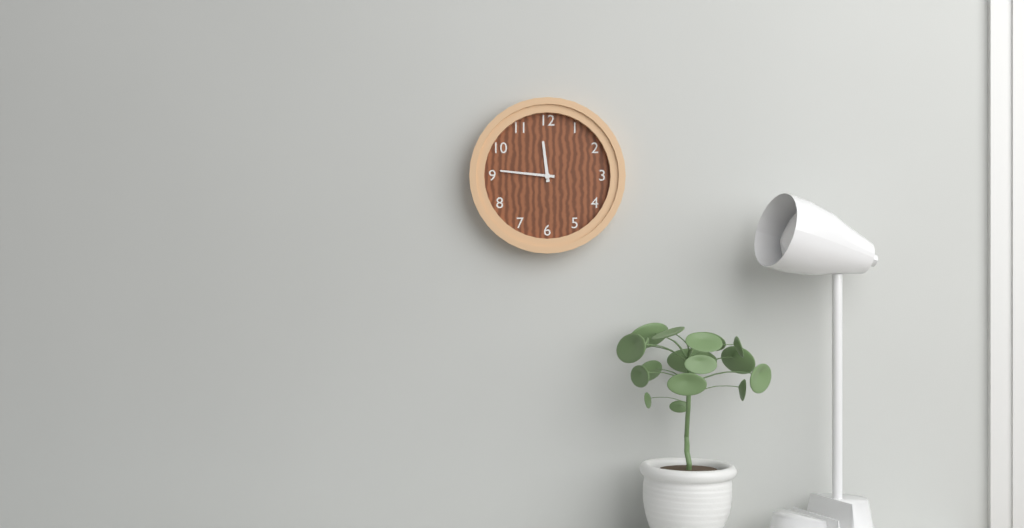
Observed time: 11:46
